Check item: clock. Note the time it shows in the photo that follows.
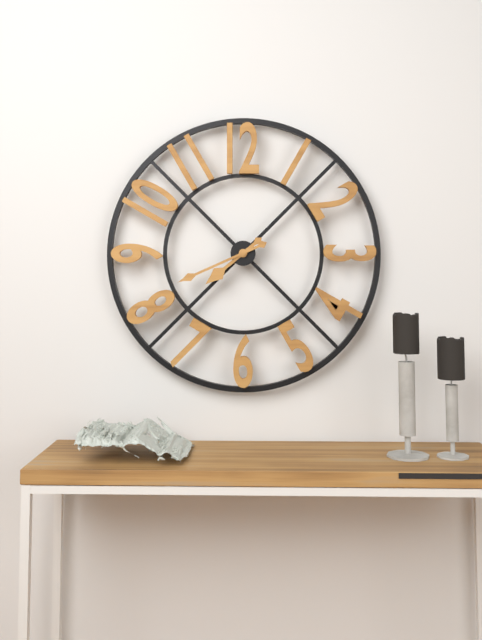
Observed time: 7:41
